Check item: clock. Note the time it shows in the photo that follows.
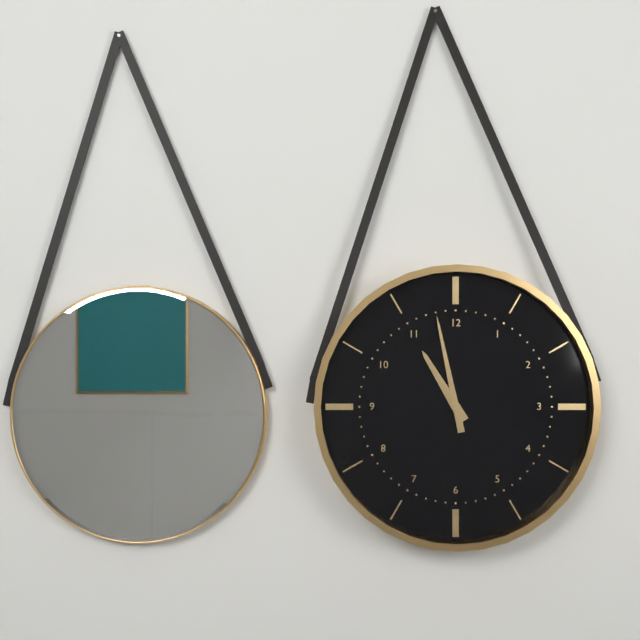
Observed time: 10:58
